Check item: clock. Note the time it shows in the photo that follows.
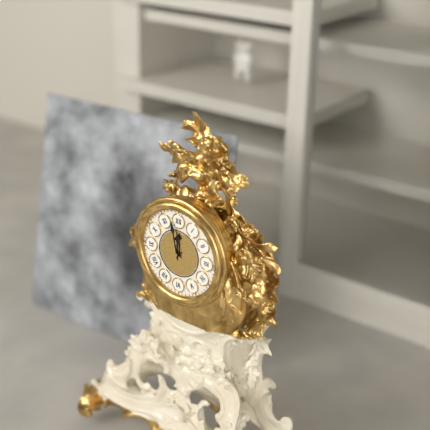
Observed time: 11:58
